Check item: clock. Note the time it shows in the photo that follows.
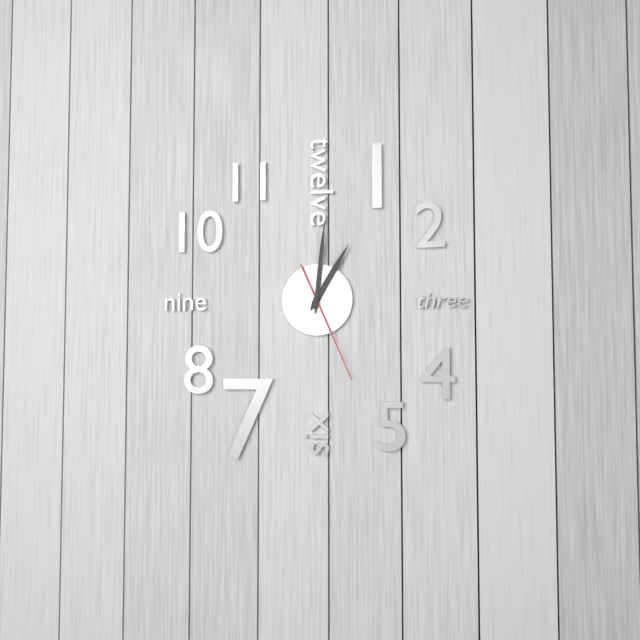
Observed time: 1:01:26
